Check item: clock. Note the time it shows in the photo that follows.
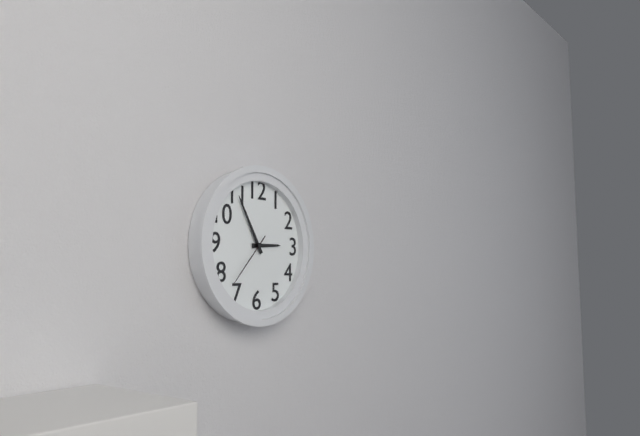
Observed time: 2:55:37
